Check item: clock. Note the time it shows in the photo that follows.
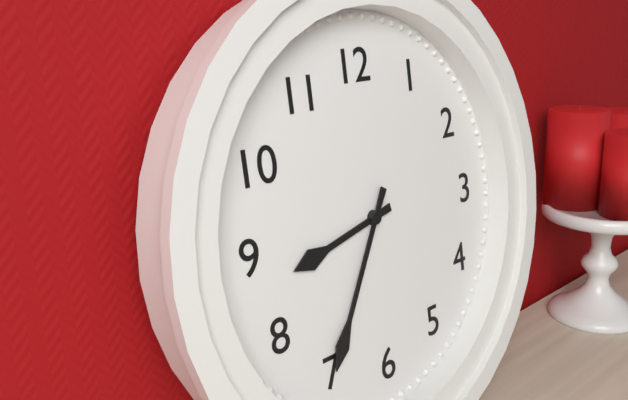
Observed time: 8:35
